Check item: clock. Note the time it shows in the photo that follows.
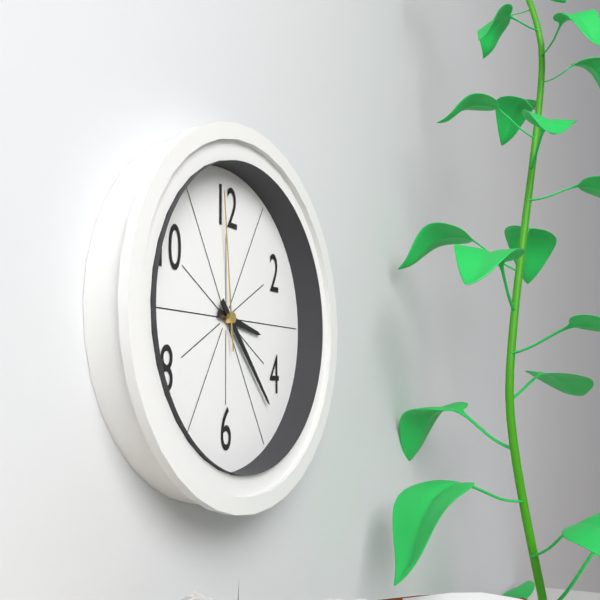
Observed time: 3:23:59
